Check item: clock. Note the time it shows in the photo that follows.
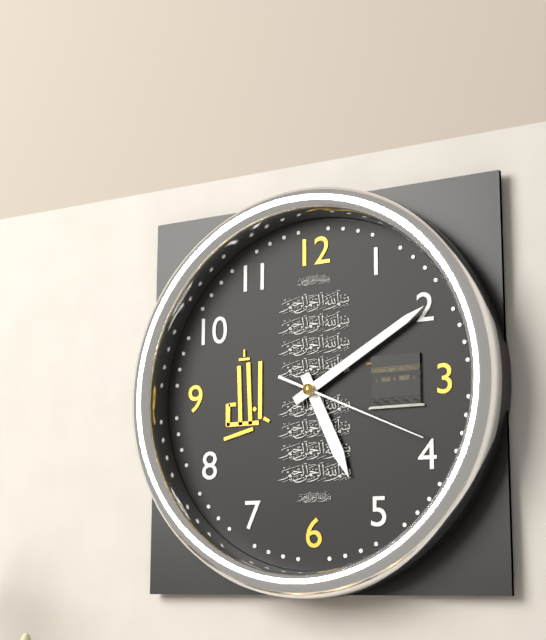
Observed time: 5:10:19
